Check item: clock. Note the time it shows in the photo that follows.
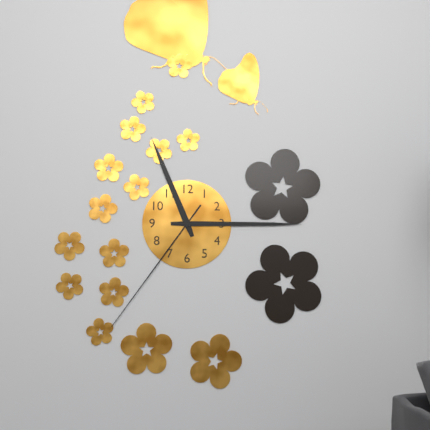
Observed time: 11:15:36
